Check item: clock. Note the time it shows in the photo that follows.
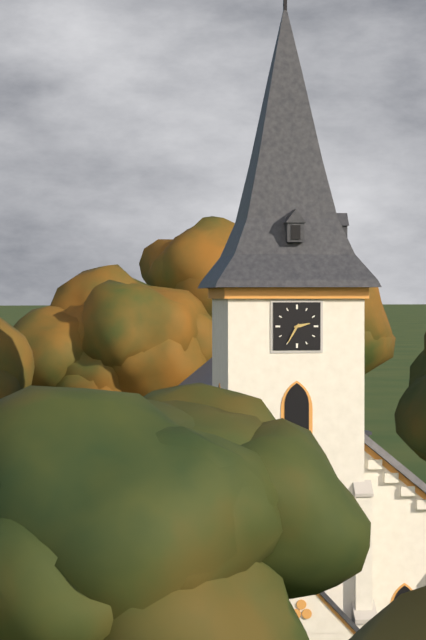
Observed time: 2:35
